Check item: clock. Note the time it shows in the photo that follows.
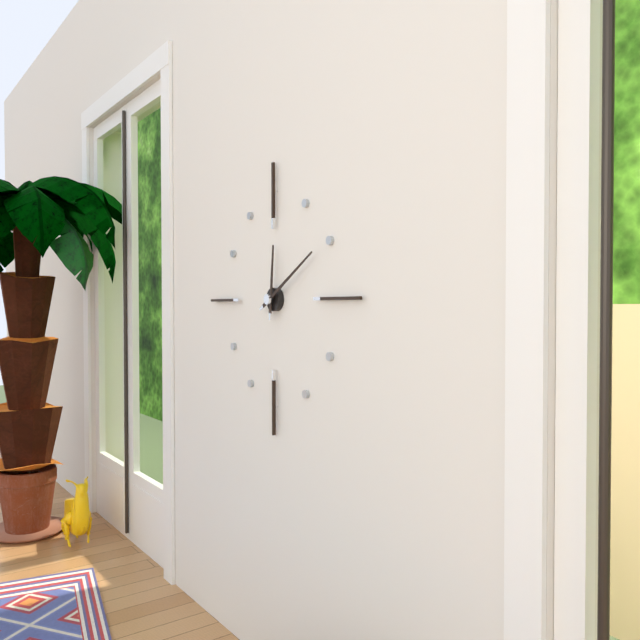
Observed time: 12:10
